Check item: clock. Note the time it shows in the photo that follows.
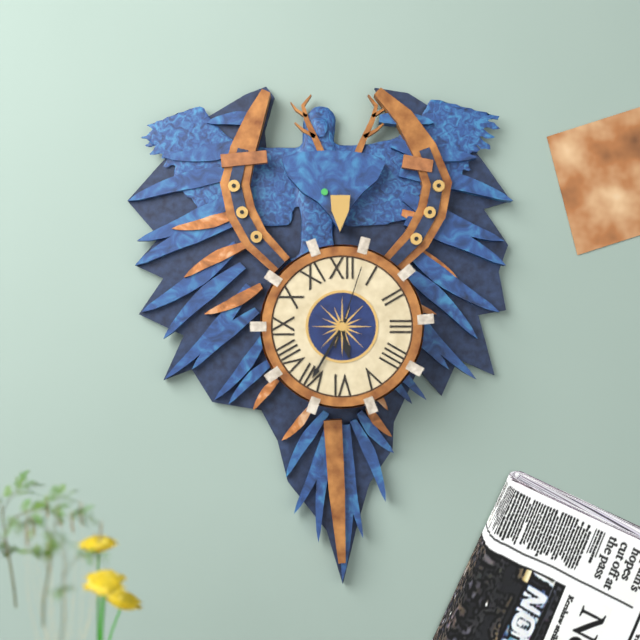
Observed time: 5:35:03
